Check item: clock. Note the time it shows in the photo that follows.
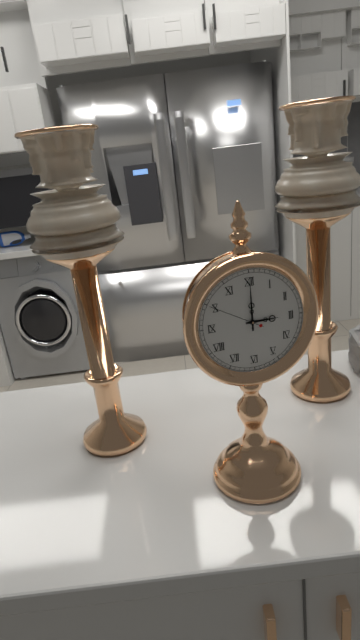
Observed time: 3:00
